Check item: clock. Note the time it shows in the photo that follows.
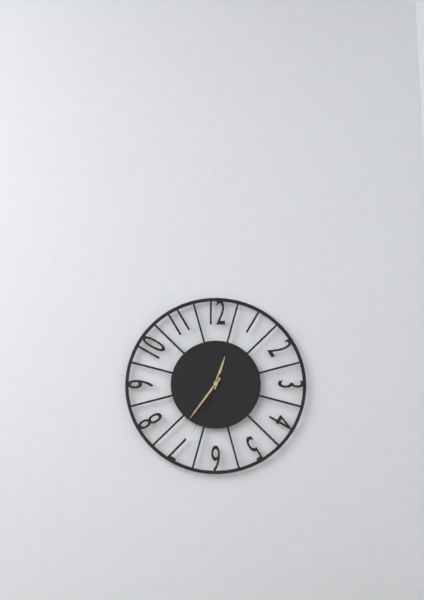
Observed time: 12:36:34
